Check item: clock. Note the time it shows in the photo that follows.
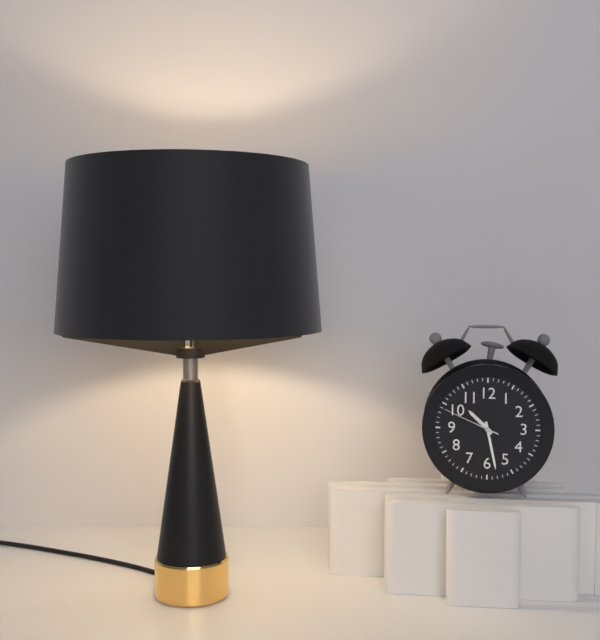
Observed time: 10:28:49
